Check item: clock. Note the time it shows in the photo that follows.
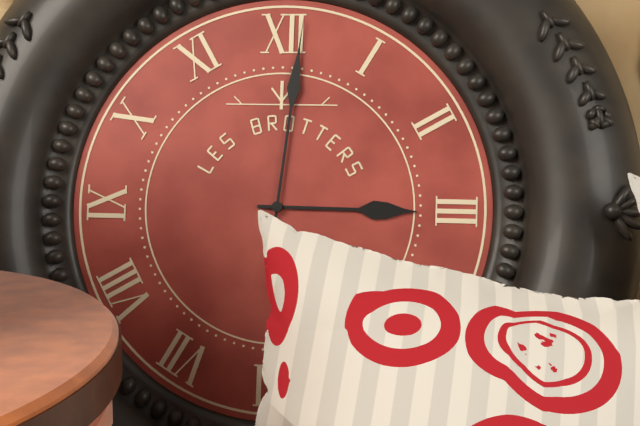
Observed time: 3:01
